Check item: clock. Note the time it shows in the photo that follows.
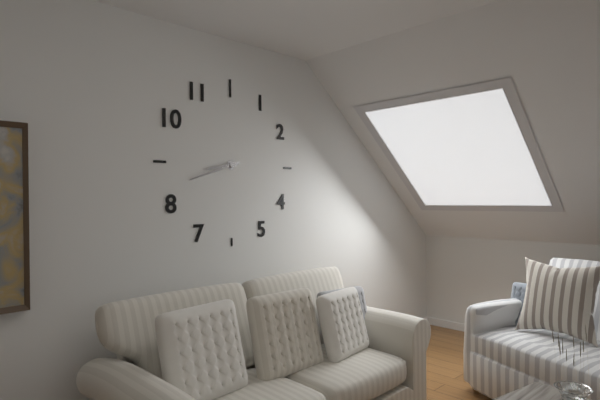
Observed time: 8:42
